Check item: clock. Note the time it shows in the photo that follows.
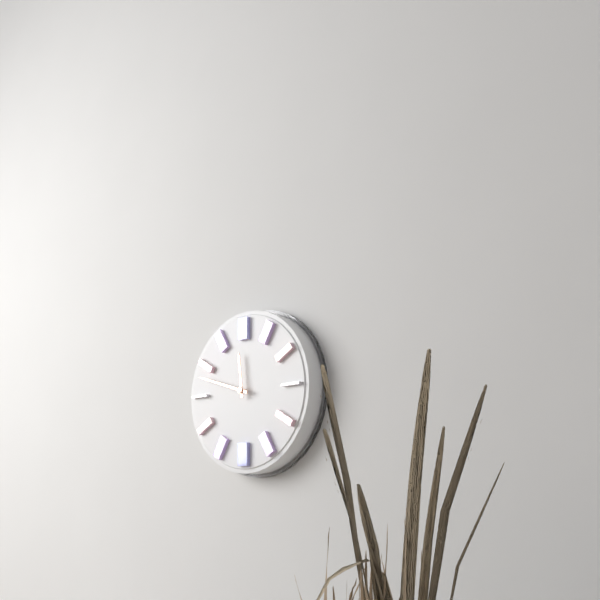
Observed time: 11:48
